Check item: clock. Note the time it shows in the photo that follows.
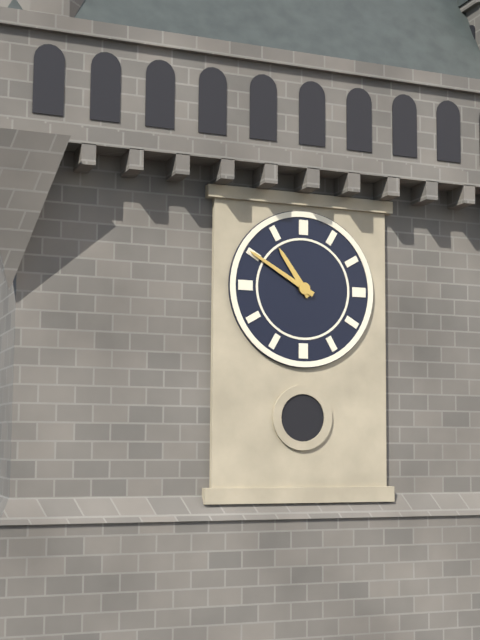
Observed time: 10:50
